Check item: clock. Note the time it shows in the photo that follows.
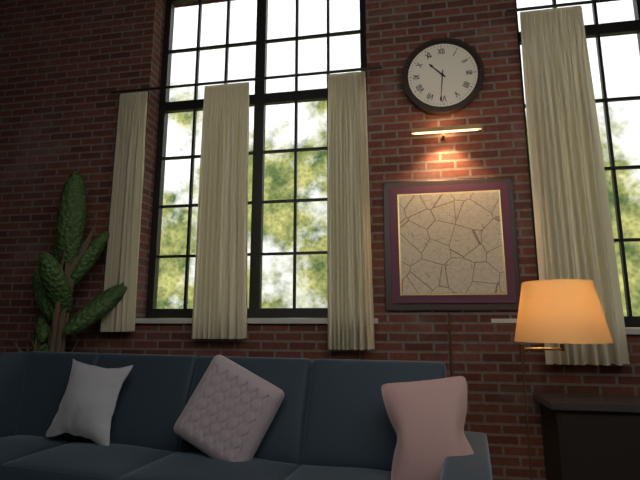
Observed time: 10:31
